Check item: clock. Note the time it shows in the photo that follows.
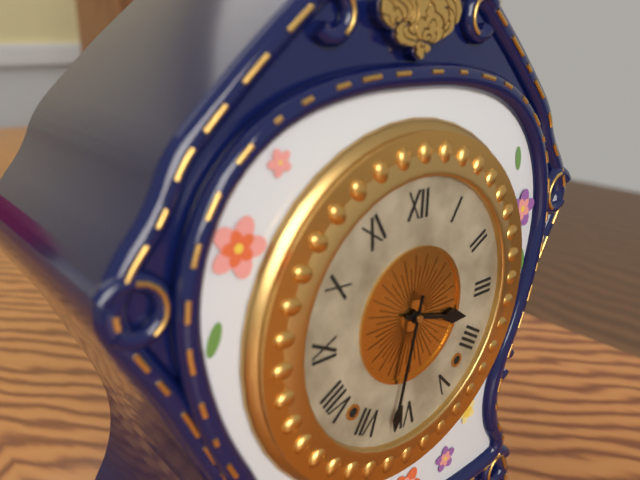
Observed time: 3:32
